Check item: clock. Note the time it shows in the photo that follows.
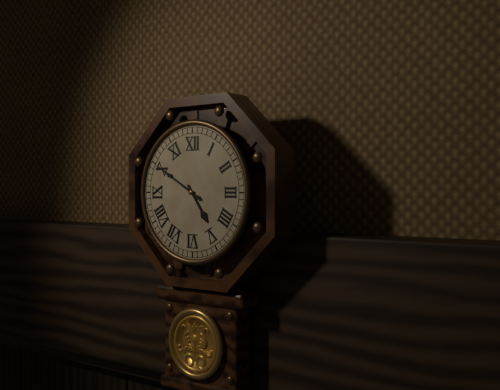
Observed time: 4:50
